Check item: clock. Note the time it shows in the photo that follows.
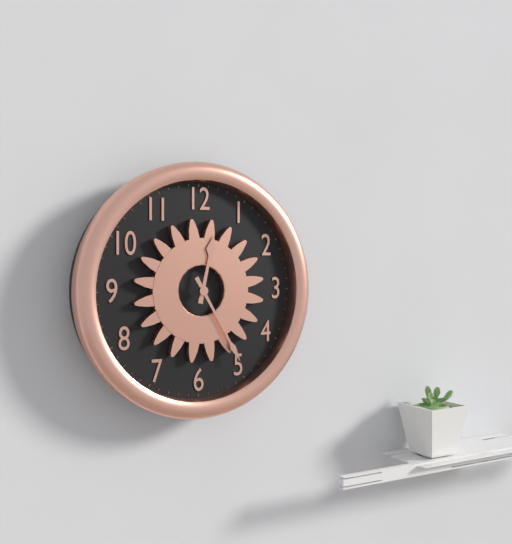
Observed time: 12:25
